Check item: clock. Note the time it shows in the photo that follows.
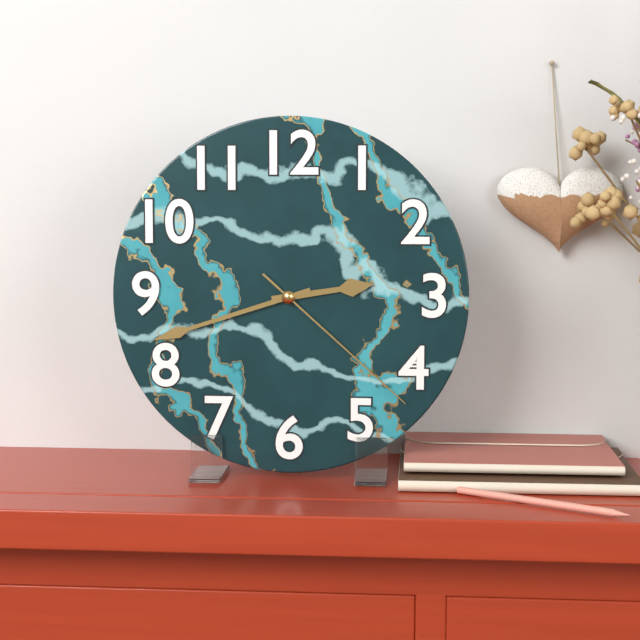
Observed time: 2:42:22
